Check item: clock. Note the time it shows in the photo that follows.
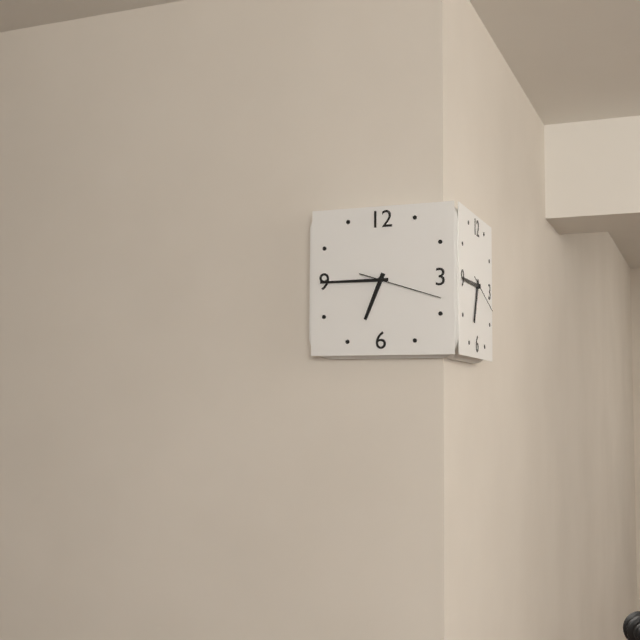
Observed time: 6:45:18
